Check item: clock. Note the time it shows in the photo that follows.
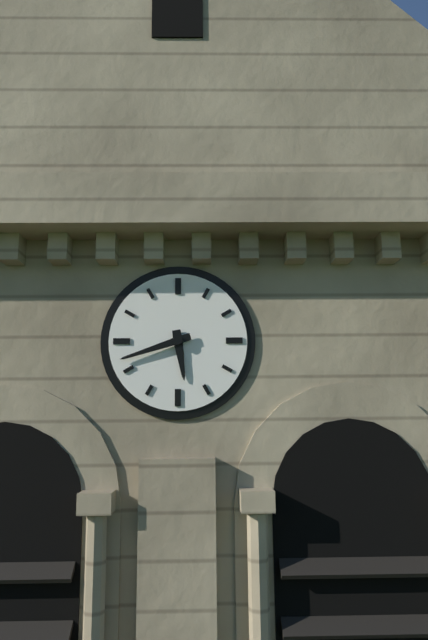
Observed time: 5:42
